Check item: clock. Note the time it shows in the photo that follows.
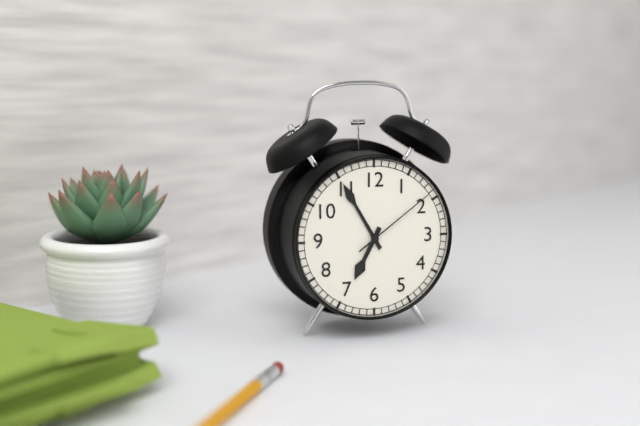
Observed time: 6:55:09
